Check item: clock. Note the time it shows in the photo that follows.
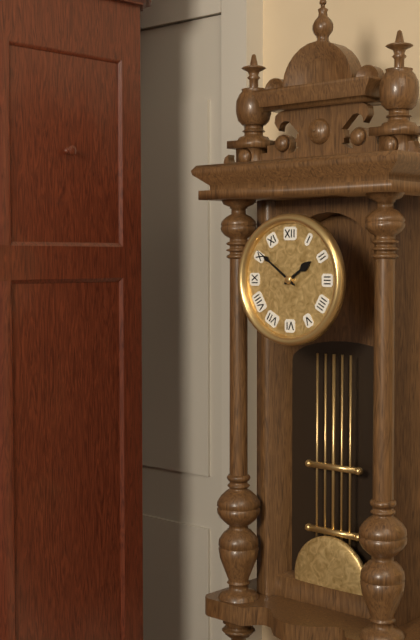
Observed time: 1:51
